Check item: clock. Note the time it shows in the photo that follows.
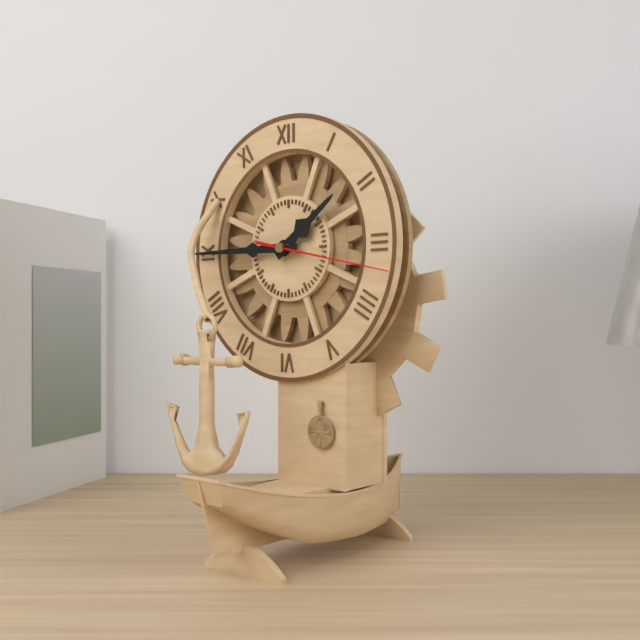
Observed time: 1:45:17
